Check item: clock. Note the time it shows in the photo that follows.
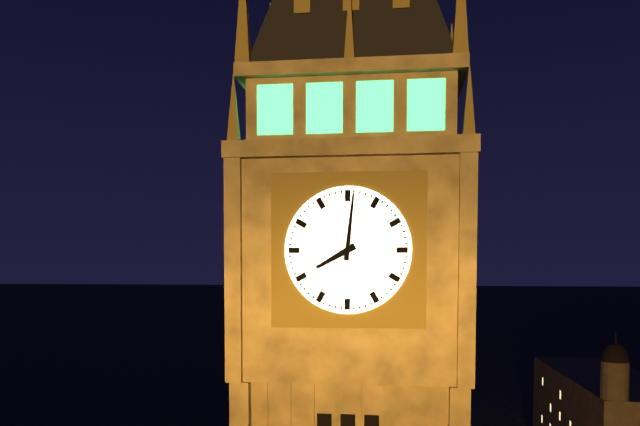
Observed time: 8:01
